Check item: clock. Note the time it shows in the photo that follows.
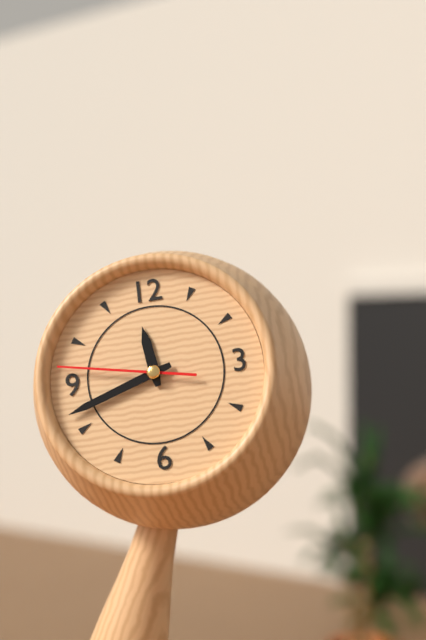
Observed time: 11:42:47
